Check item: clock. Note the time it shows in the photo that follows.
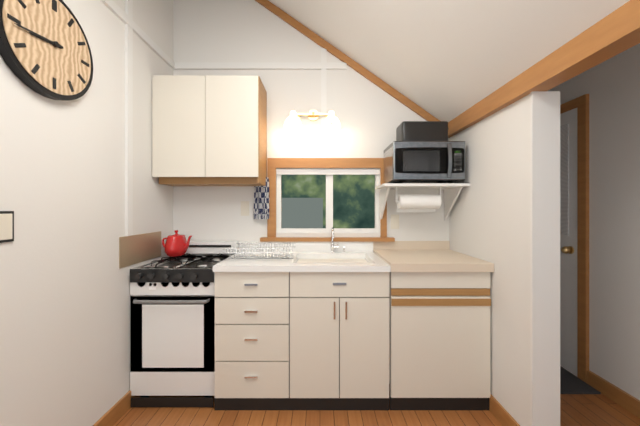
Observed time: 8:44
